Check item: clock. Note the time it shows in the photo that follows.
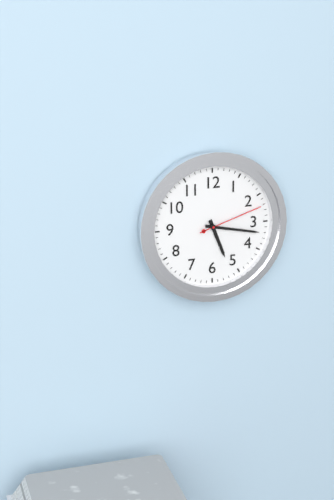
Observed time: 5:17:12
